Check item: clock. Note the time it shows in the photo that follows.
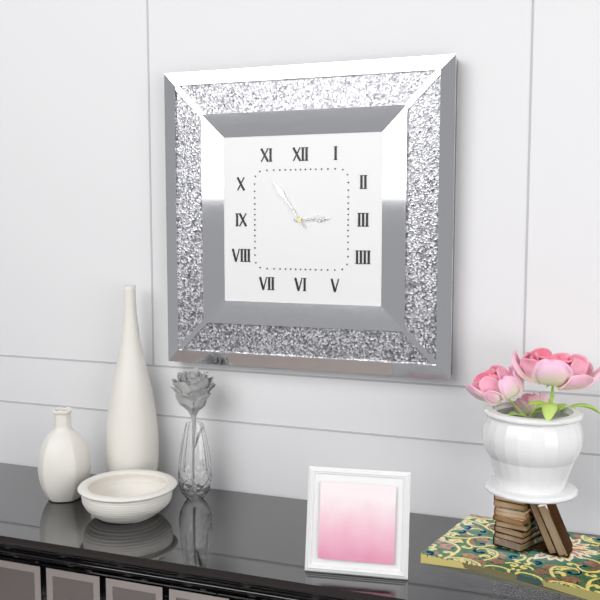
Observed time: 2:54
